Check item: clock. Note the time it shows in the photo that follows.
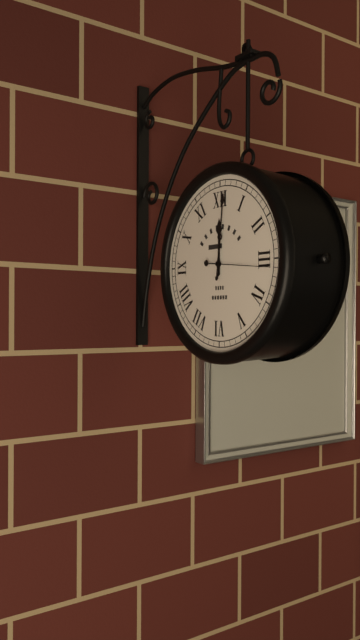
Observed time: 12:01:16
